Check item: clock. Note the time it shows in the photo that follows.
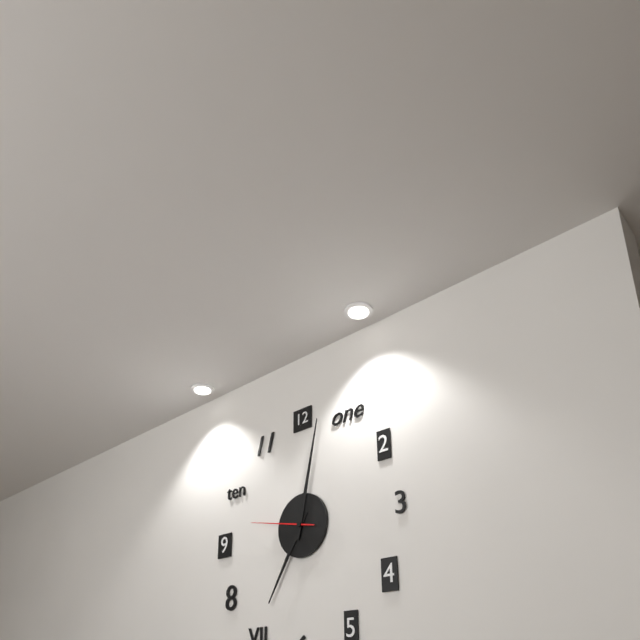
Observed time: 7:02:47
